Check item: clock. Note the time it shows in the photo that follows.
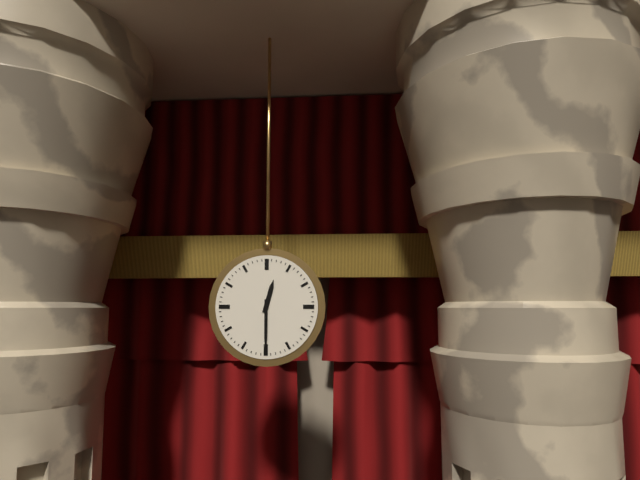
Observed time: 12:30
